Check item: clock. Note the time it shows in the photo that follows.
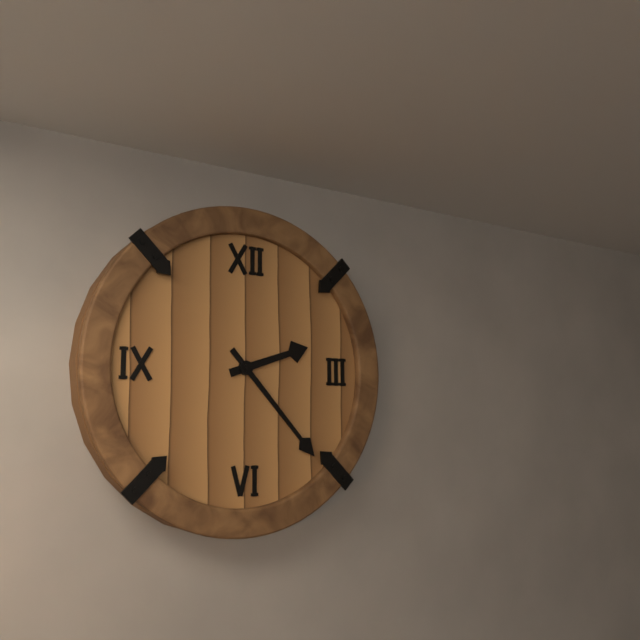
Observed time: 2:23
